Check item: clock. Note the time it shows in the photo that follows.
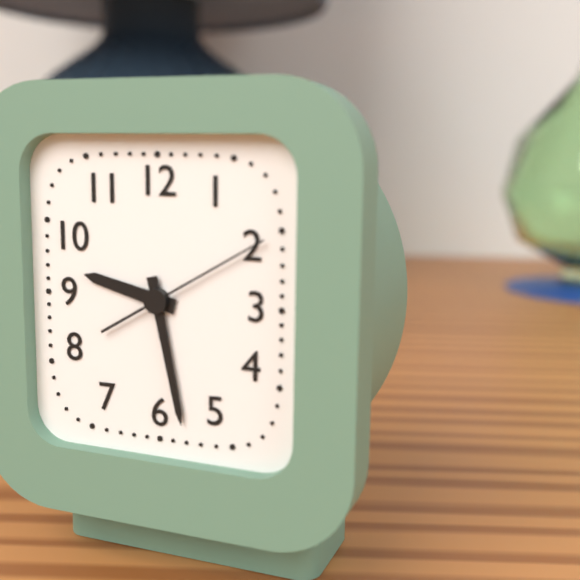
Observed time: 9:28:10
